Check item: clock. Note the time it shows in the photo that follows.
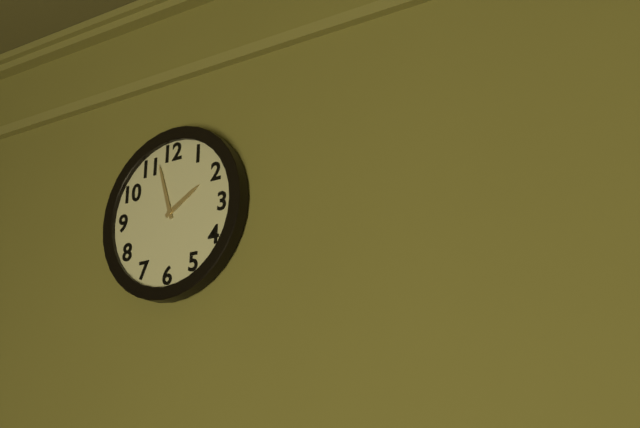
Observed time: 1:57
